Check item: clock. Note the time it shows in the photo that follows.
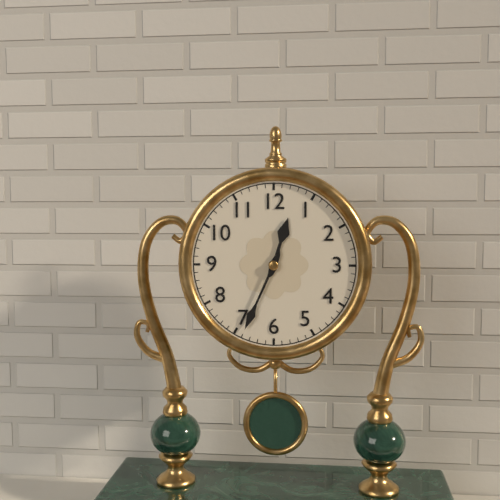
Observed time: 12:34
